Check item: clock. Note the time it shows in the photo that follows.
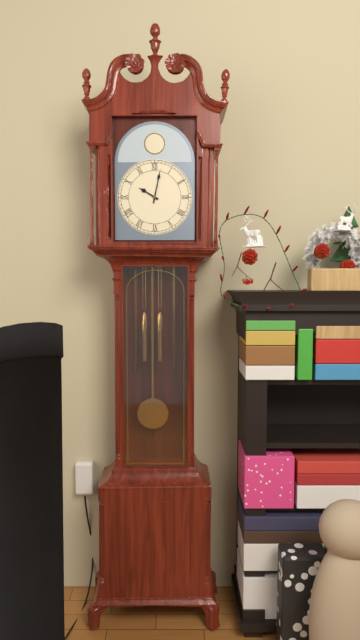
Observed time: 10:02
